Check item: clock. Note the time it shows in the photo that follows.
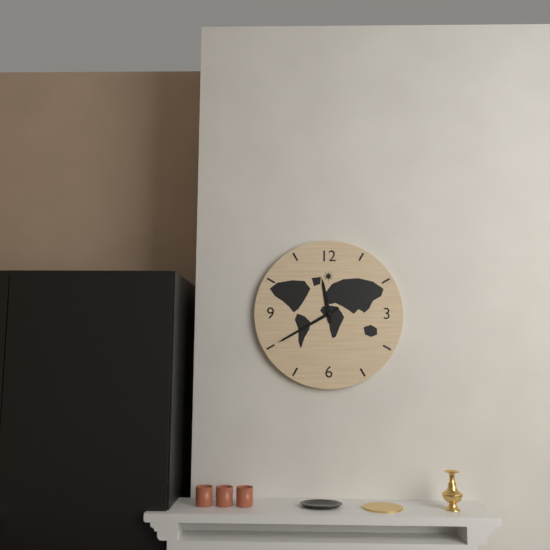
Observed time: 11:40
